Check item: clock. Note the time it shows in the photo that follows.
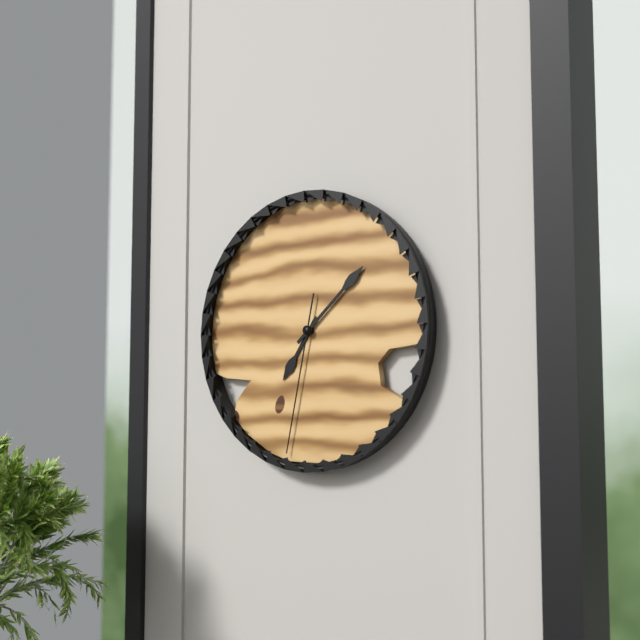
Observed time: 7:08:32
